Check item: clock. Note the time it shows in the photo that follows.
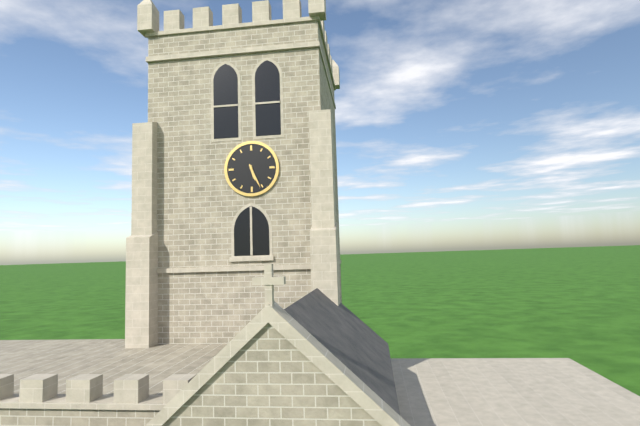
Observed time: 5:26
